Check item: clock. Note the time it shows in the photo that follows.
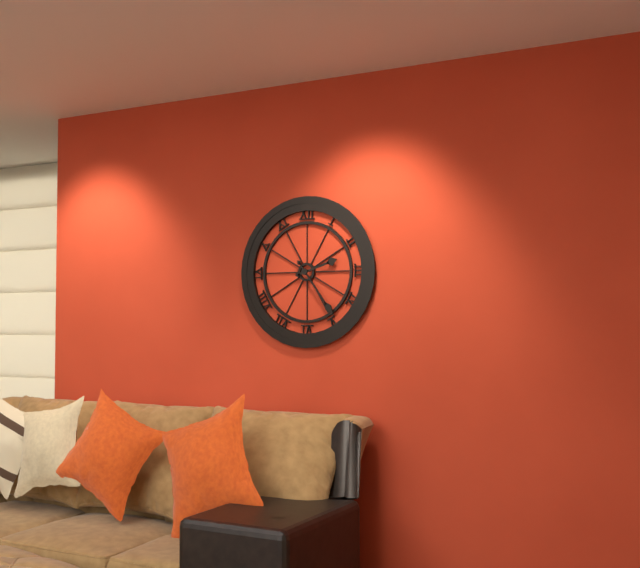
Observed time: 2:24
